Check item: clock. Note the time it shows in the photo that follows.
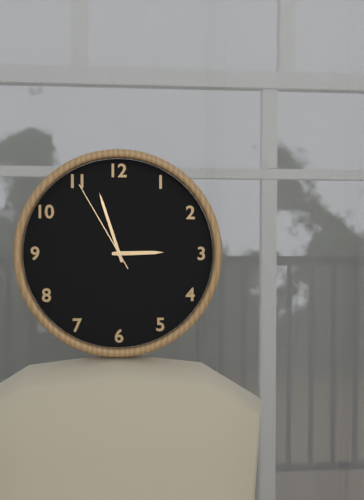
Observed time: 2:57:55
